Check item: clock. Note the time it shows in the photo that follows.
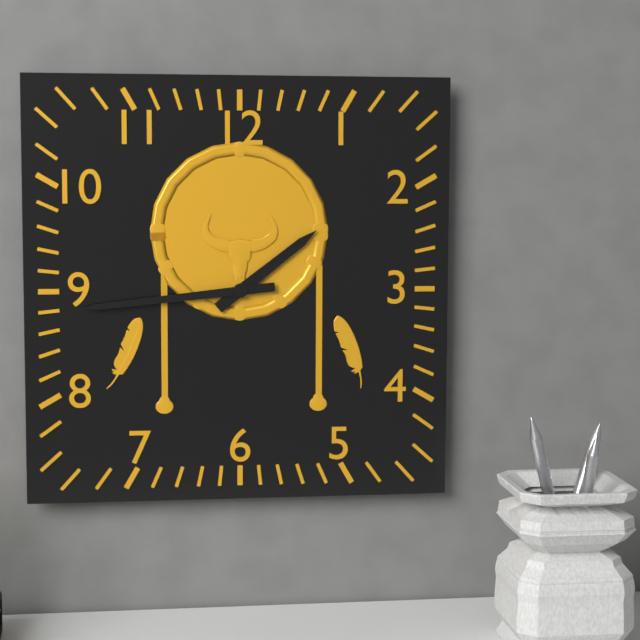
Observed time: 1:44
